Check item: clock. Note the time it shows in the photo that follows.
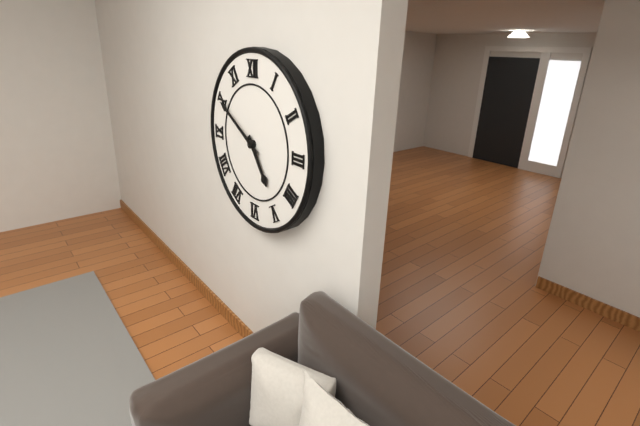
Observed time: 4:50
